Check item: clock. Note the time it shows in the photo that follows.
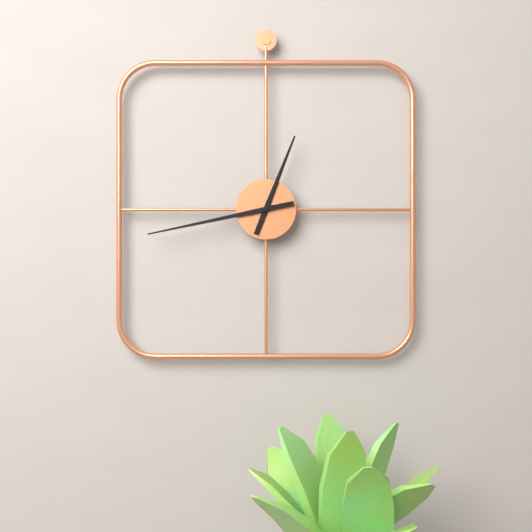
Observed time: 12:43
